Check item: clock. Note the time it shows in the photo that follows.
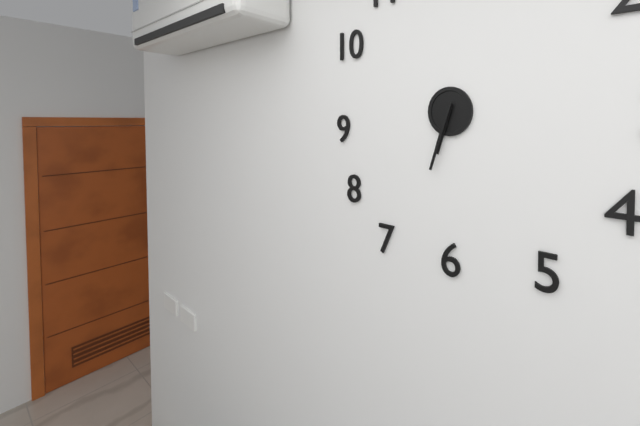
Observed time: 6:33
